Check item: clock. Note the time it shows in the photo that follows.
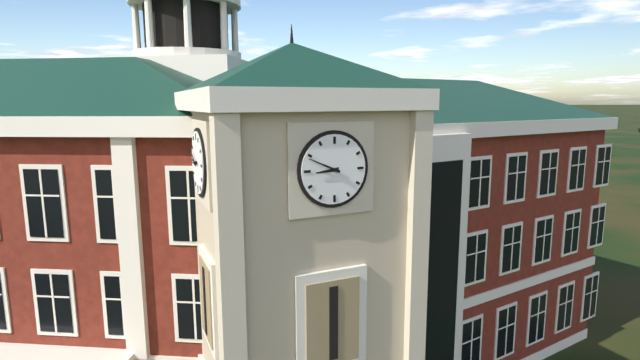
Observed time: 8:49
